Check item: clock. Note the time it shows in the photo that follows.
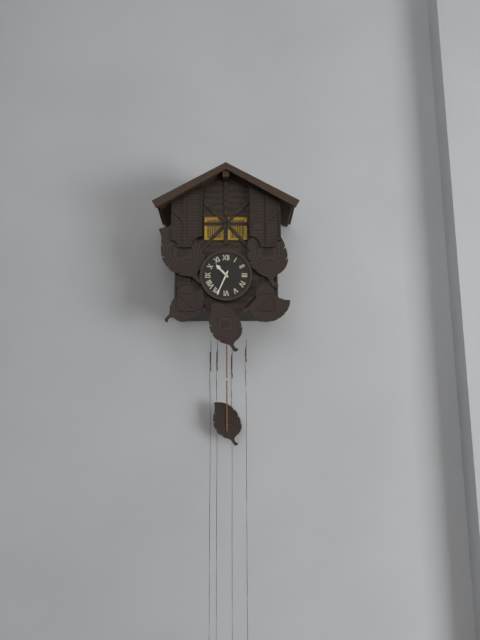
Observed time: 10:34
